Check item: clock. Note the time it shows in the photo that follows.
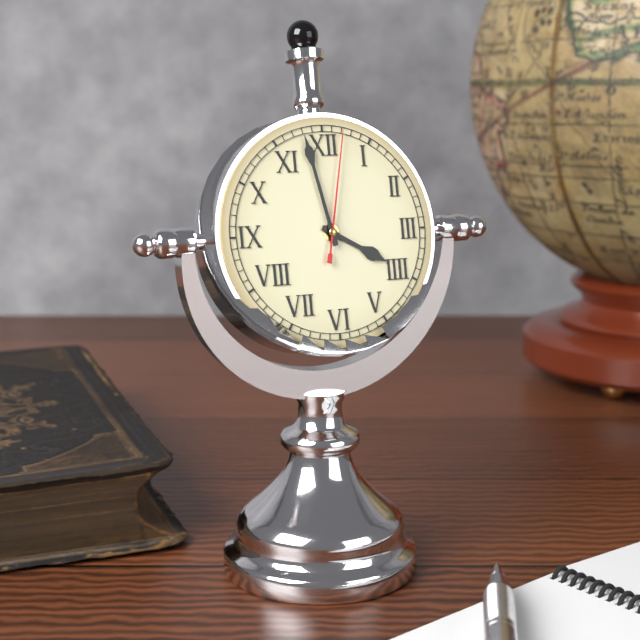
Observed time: 3:58:02
